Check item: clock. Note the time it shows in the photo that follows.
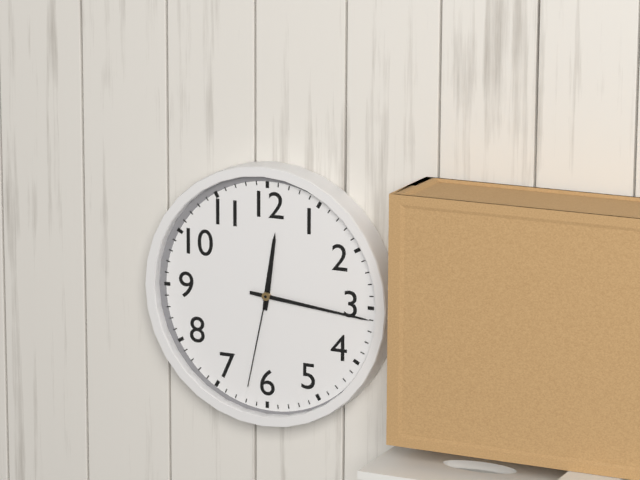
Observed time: 12:16:32
